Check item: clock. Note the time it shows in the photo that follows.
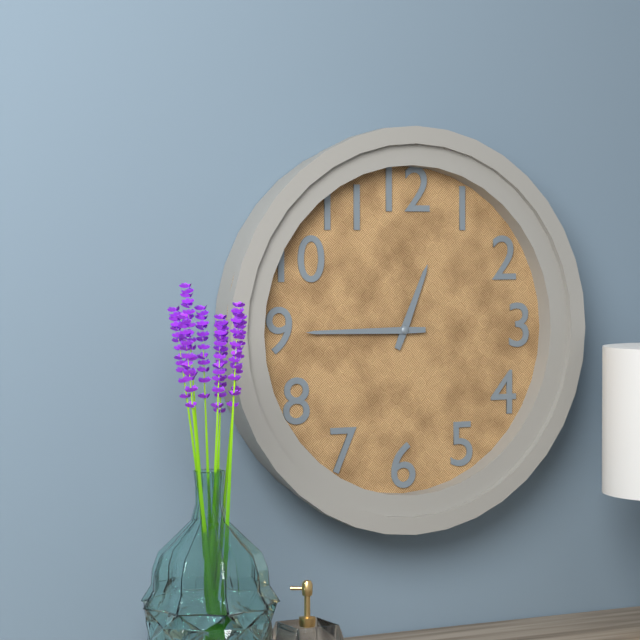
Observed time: 12:45
